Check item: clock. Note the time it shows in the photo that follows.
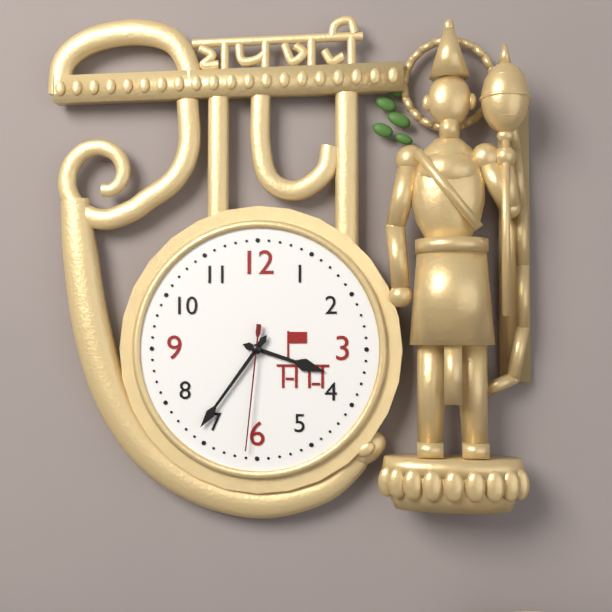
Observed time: 3:36:31
